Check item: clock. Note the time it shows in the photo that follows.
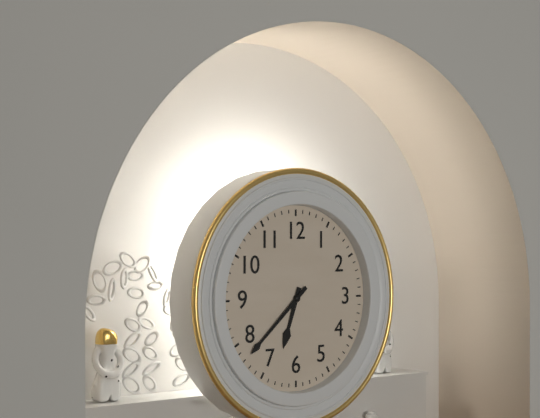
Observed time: 6:38
